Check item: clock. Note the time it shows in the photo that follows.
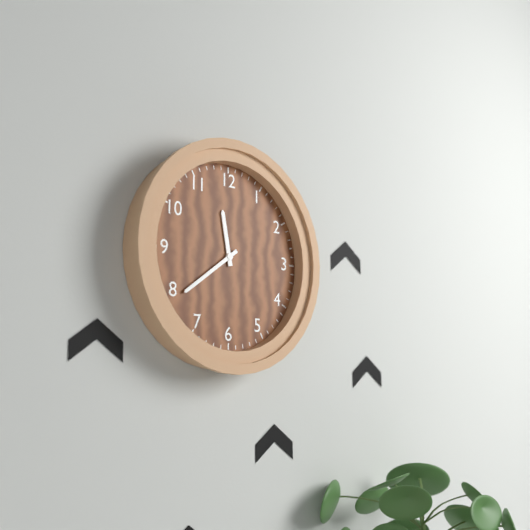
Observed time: 11:39
